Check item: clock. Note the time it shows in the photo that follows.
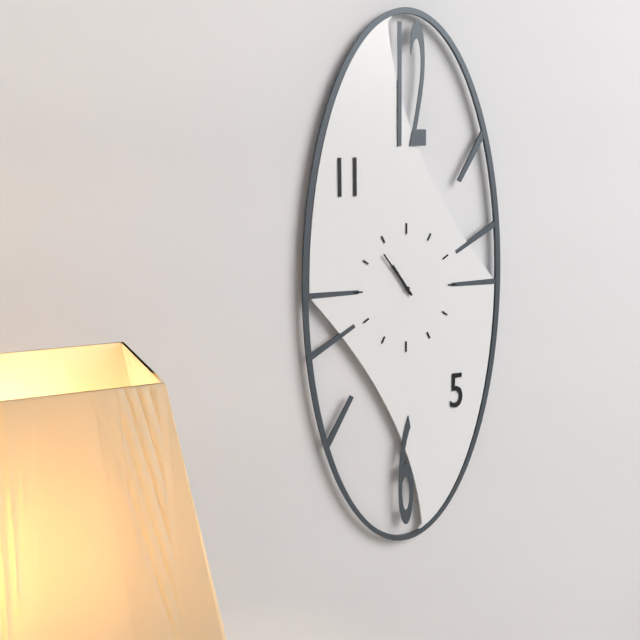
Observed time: 10:54
